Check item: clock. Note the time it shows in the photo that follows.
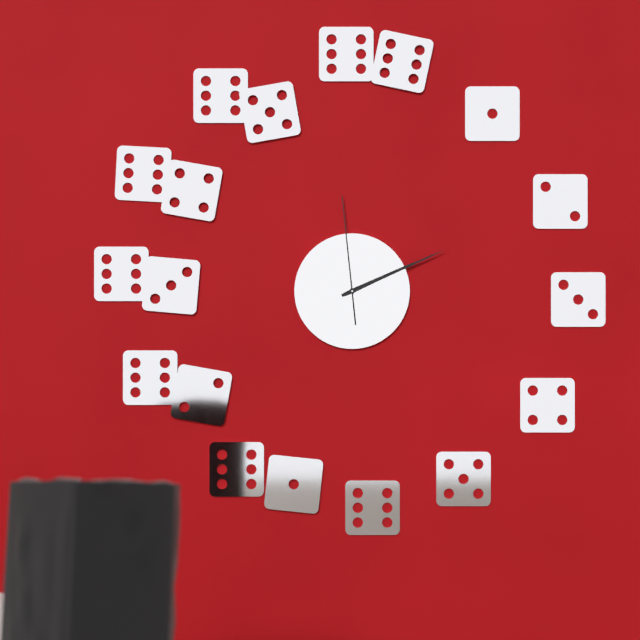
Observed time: 2:11:59
